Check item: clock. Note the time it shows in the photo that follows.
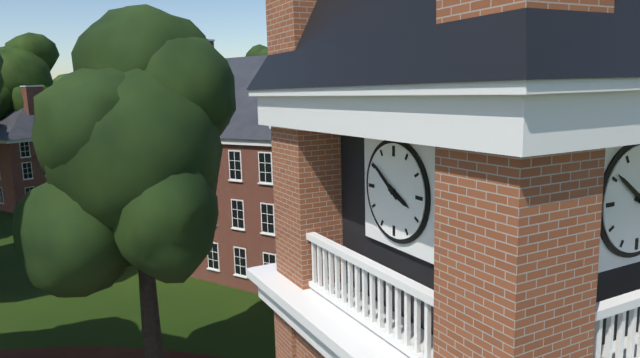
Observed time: 3:51
